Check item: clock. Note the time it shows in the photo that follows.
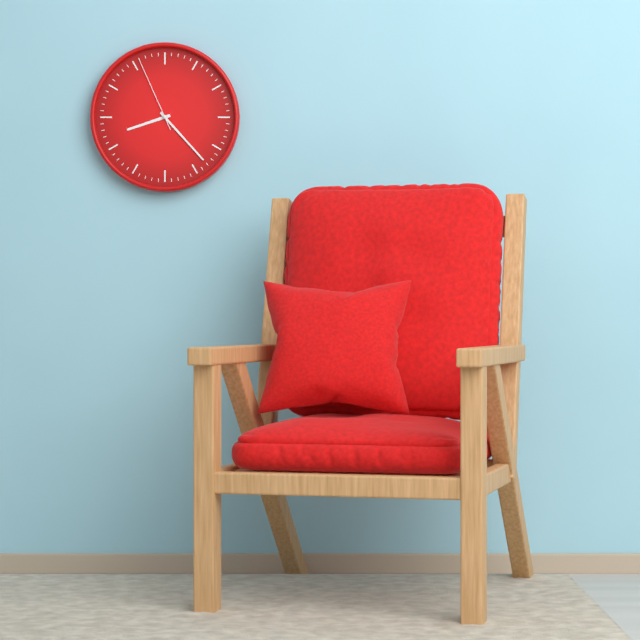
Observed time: 8:23:56
